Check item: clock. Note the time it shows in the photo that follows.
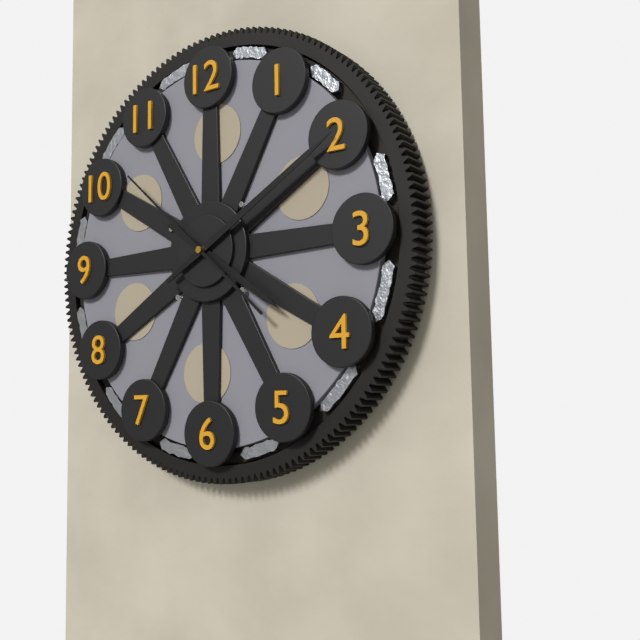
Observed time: 4:10:52
